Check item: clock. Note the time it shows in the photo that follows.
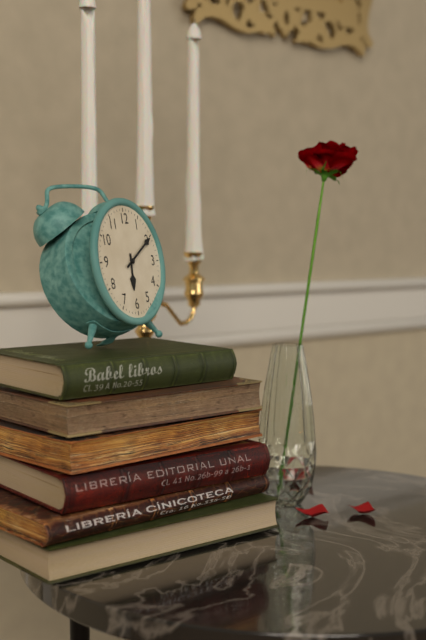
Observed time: 6:10
